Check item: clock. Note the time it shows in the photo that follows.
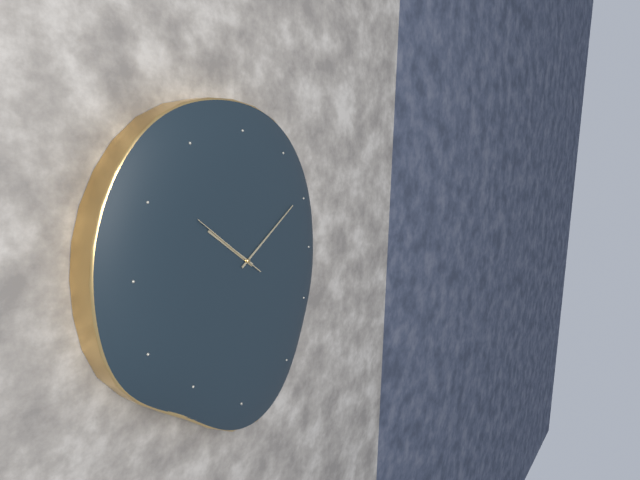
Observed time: 10:09:51
